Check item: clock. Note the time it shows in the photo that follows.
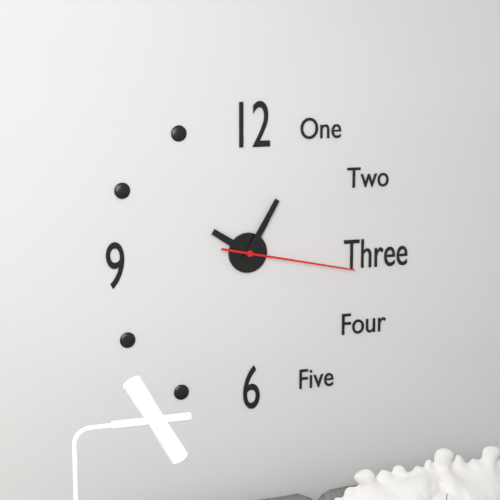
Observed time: 10:05:17
